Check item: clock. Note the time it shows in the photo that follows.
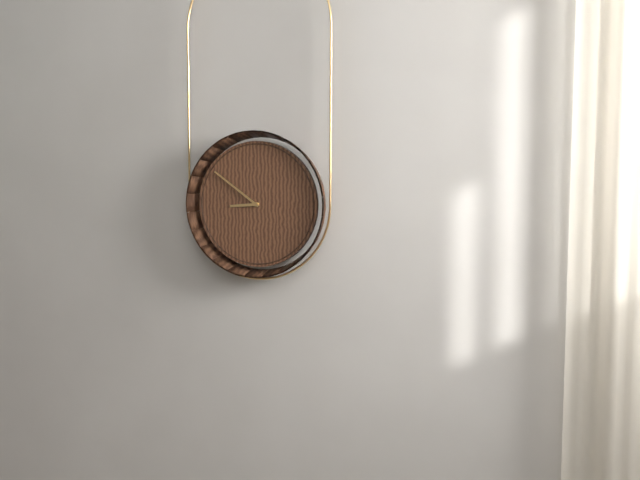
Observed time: 8:51
